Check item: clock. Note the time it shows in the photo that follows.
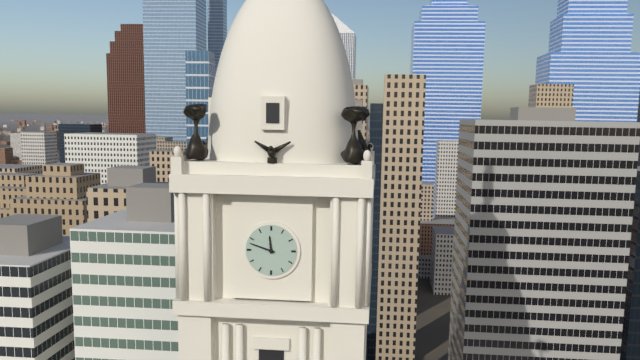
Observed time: 11:48
